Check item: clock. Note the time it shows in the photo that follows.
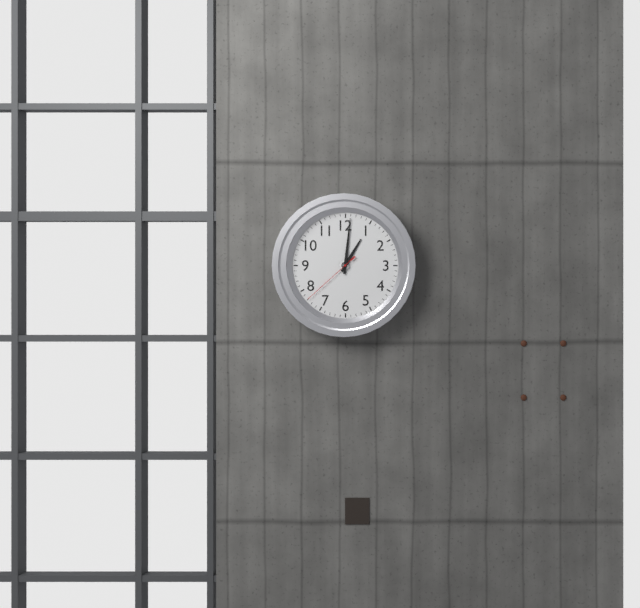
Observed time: 1:01:38
